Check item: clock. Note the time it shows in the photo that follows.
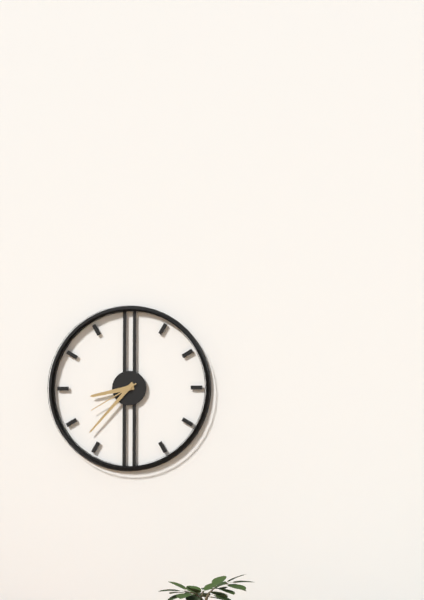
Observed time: 8:37:40
